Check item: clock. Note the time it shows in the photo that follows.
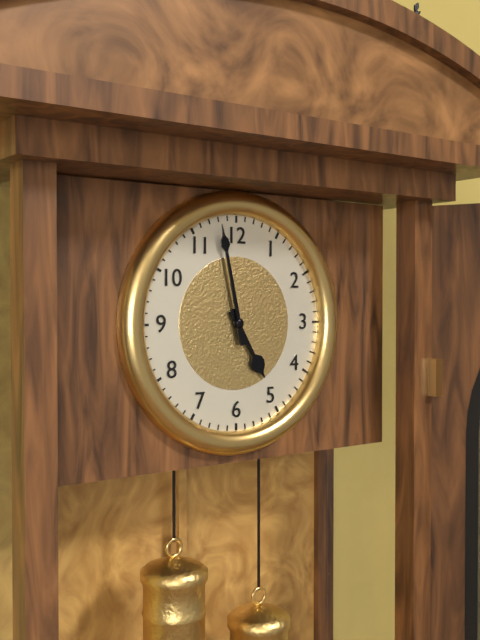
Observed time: 4:58
